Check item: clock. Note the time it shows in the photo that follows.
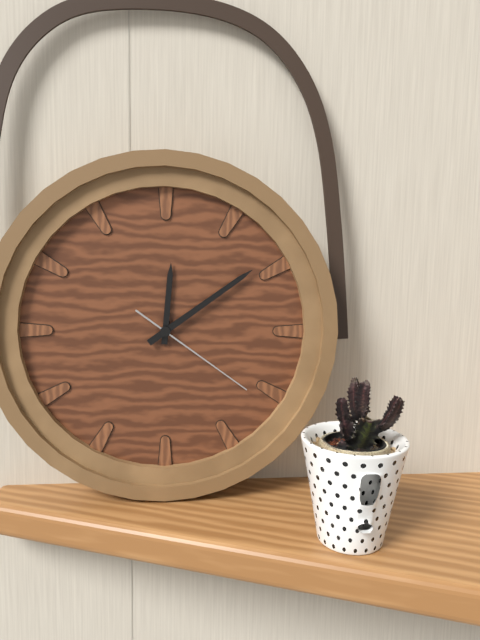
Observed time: 12:09:21
